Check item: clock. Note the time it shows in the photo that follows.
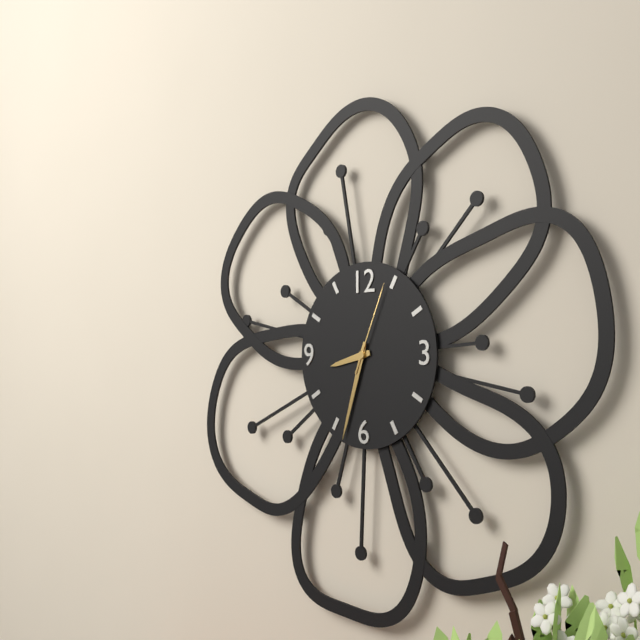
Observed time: 8:33:04
